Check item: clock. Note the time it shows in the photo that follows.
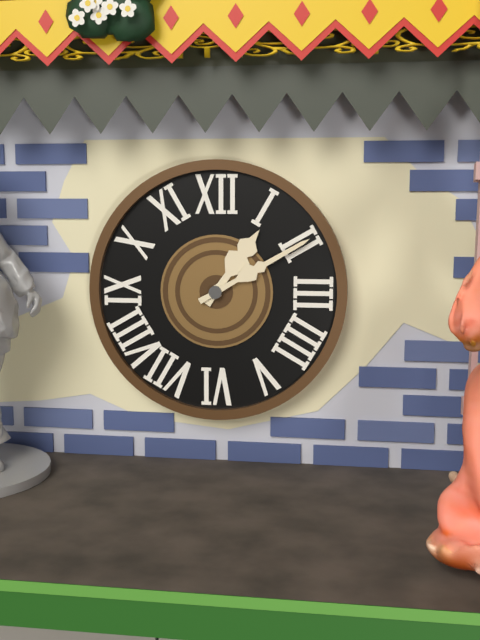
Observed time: 1:10
